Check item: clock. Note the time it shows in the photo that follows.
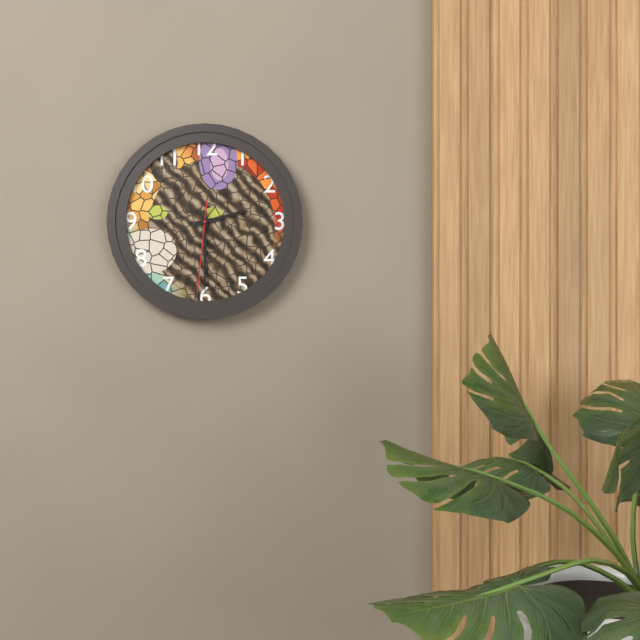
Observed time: 2:30:31
